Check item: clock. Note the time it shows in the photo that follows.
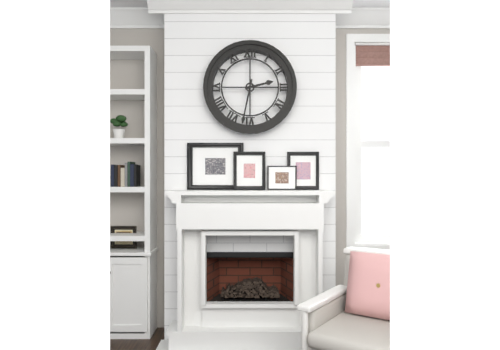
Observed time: 2:32
